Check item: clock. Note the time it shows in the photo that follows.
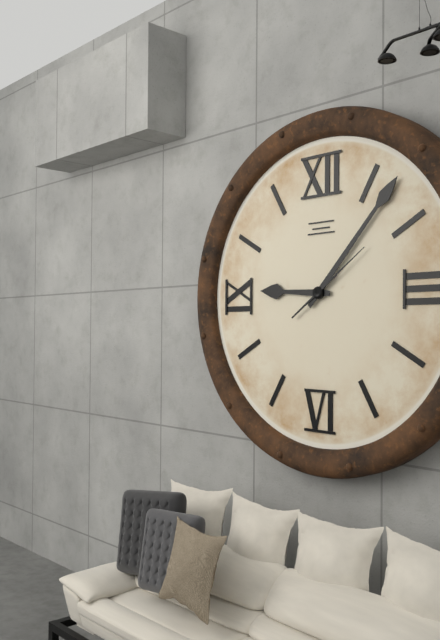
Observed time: 9:07:09
